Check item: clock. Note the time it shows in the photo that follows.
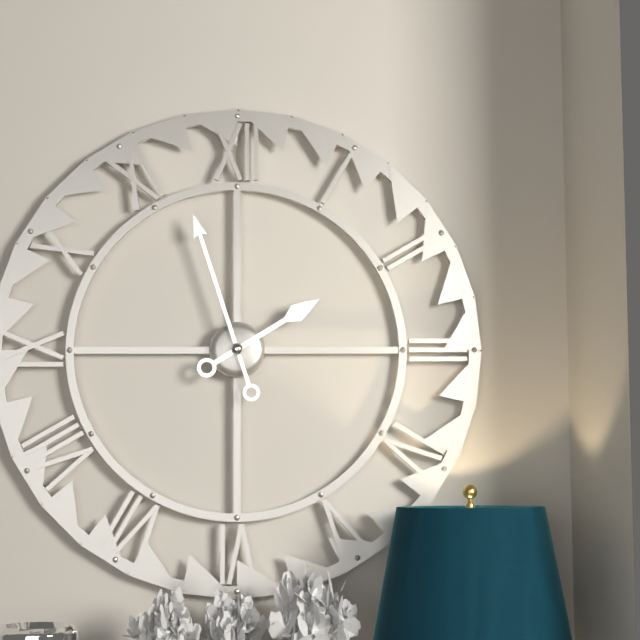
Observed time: 1:57
